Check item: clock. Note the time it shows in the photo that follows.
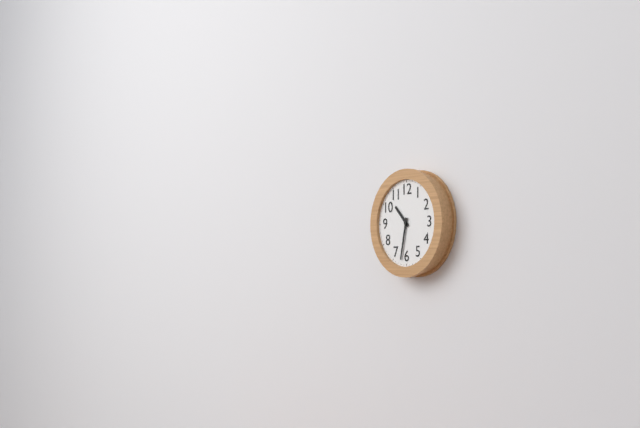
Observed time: 10:32
